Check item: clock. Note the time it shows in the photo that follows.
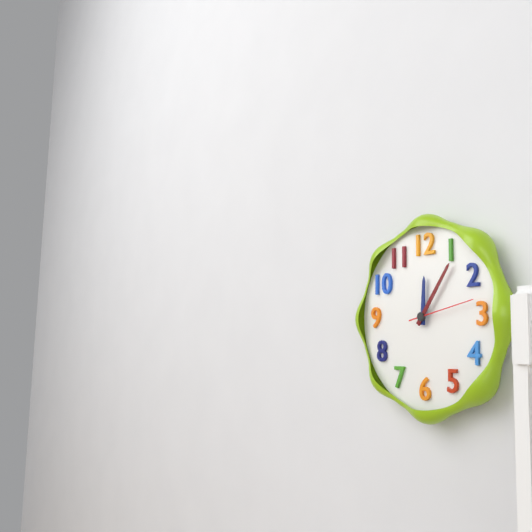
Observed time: 12:06:13
